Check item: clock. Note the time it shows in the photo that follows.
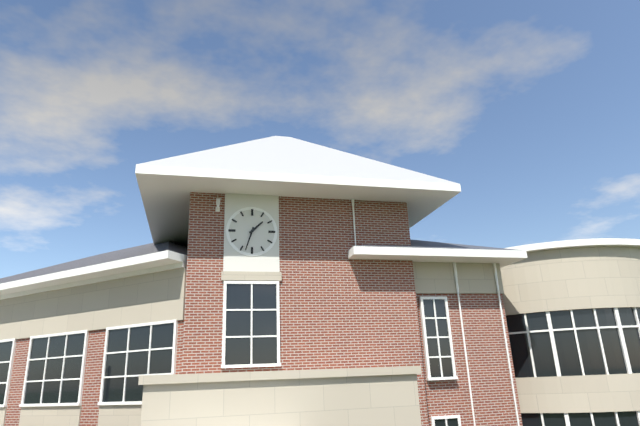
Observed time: 1:33
